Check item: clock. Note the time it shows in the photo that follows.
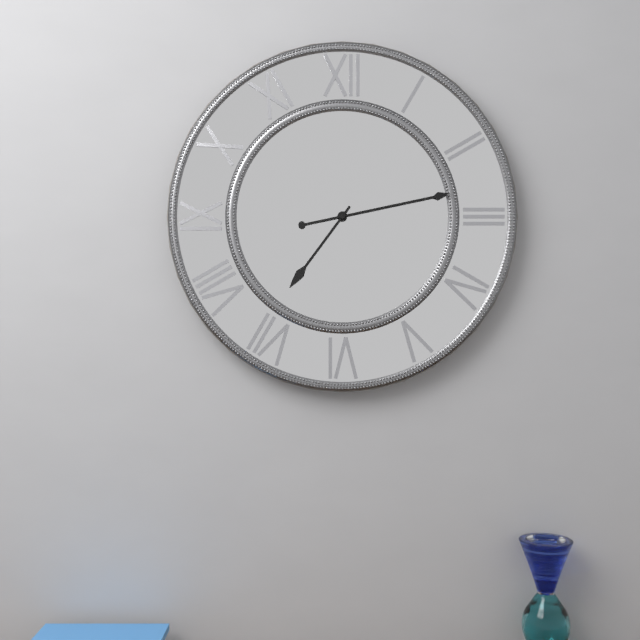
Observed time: 7:13
